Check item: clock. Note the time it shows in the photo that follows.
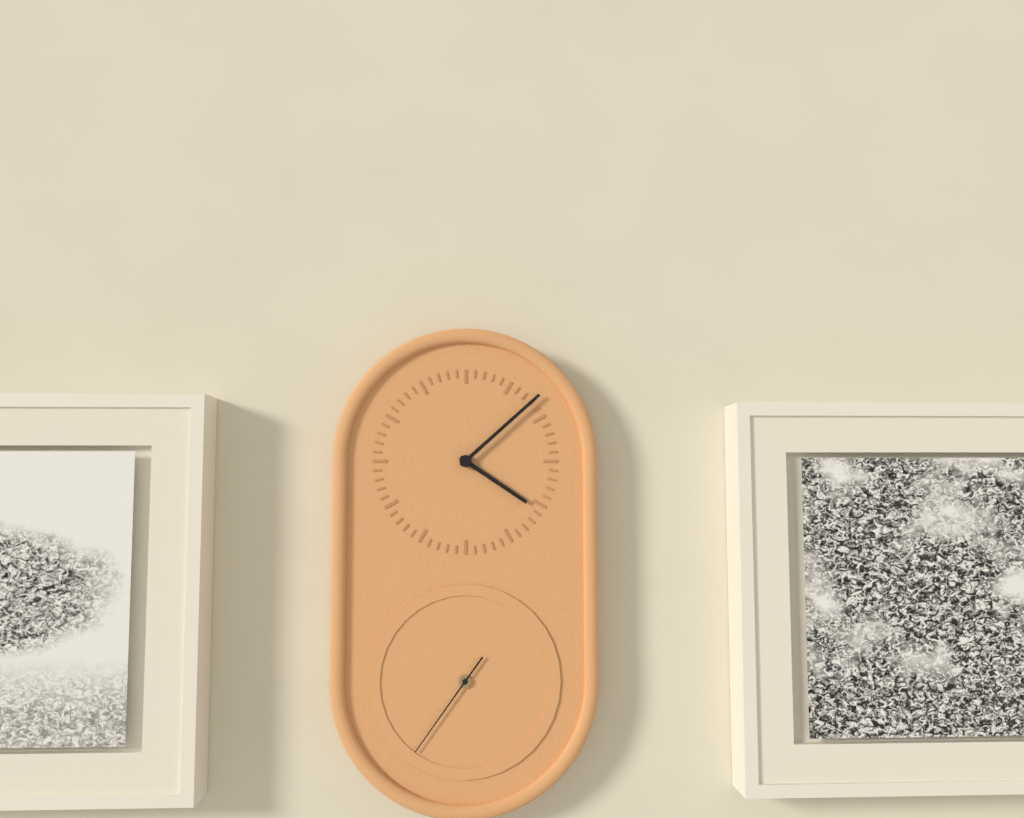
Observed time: 4:08:36
